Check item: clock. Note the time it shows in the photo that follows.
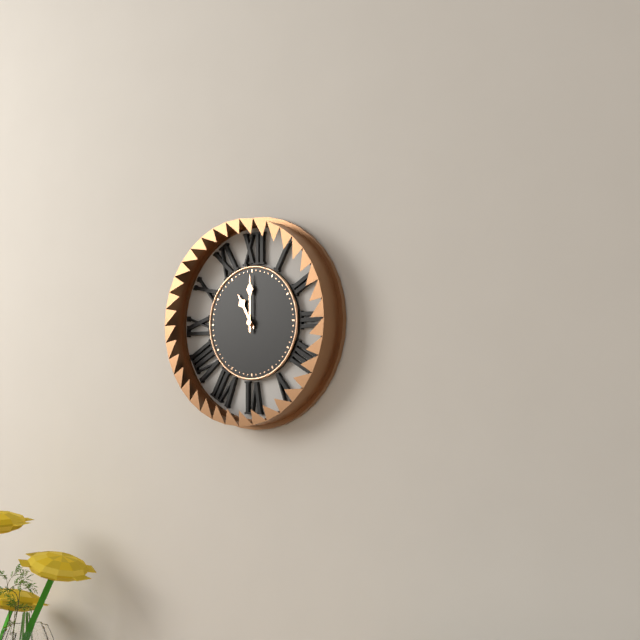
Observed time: 11:00
